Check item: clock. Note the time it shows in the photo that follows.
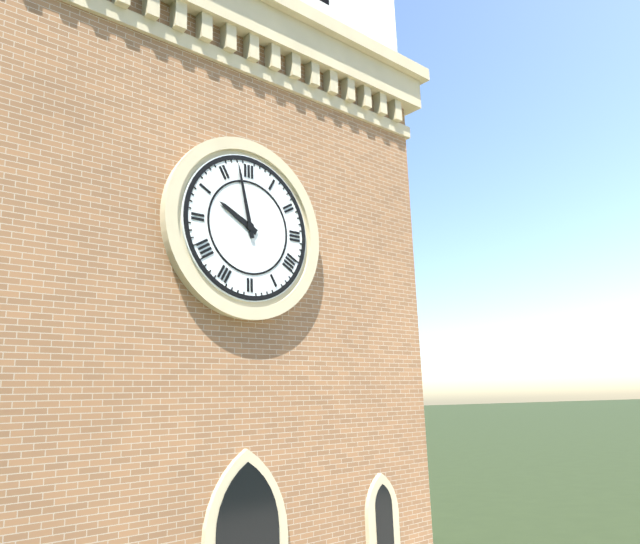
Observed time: 9:58
